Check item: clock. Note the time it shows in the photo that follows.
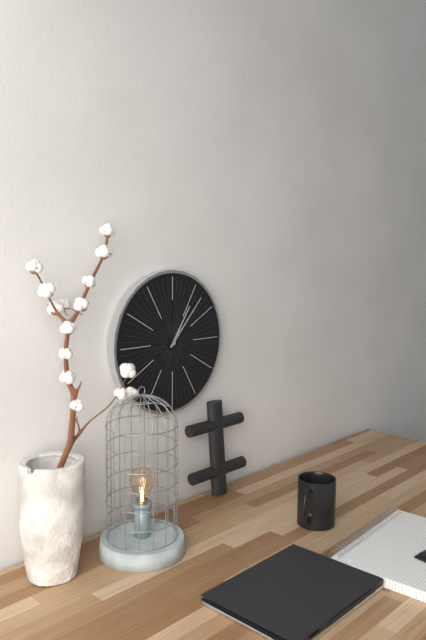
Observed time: 1:07
